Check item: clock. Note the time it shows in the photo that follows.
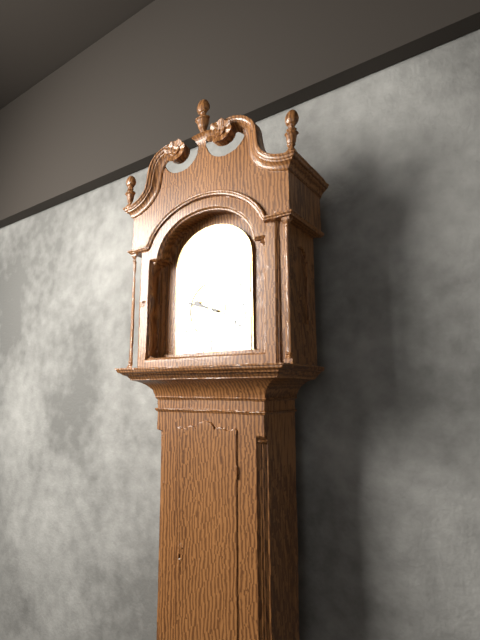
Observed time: 9:48
